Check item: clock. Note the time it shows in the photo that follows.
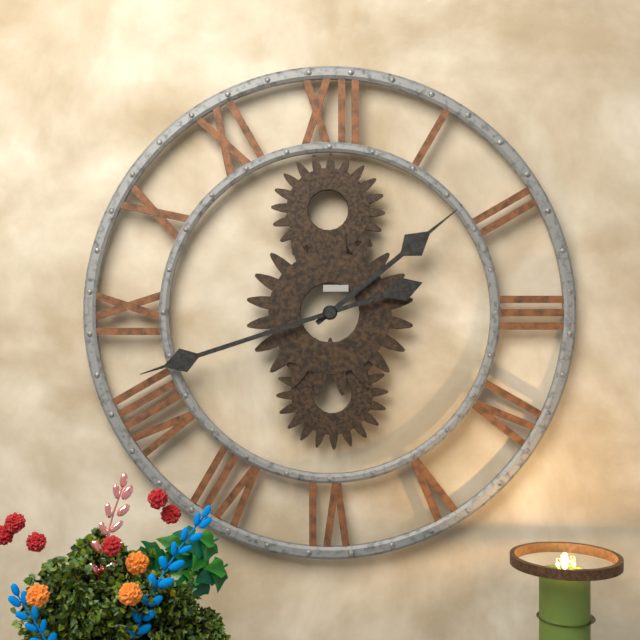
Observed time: 1:42
